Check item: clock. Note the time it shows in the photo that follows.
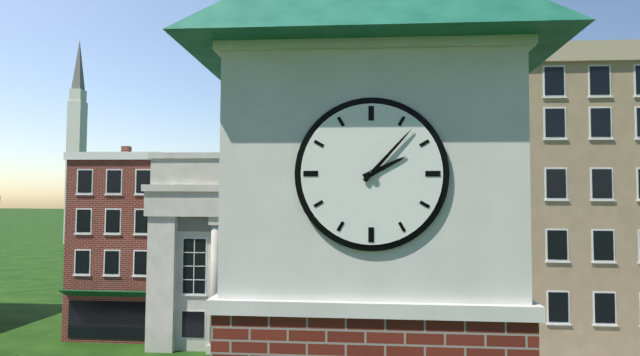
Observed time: 2:07
